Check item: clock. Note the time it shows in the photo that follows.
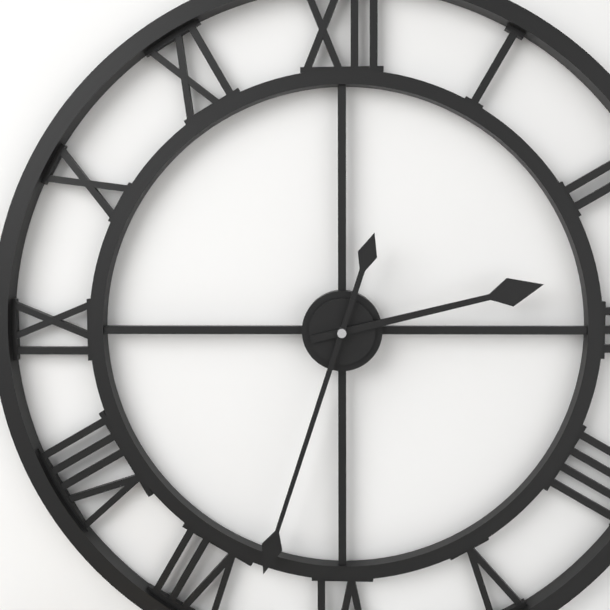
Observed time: 2:33
